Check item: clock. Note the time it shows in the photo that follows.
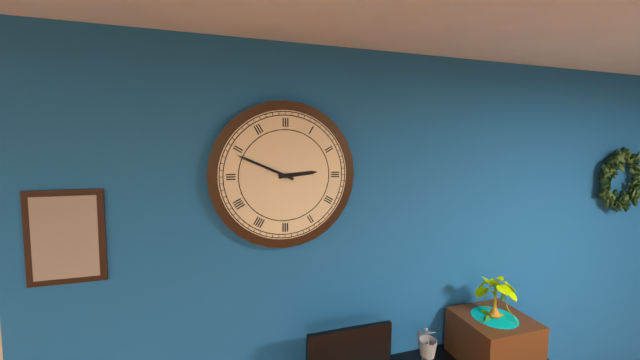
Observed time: 2:49
